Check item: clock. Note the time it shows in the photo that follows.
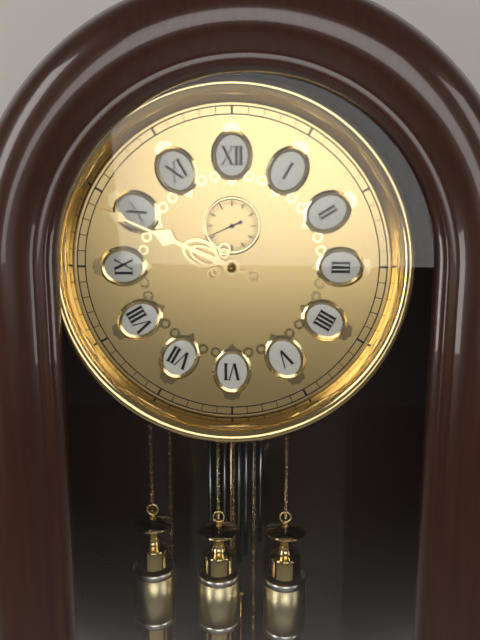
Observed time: 9:49
